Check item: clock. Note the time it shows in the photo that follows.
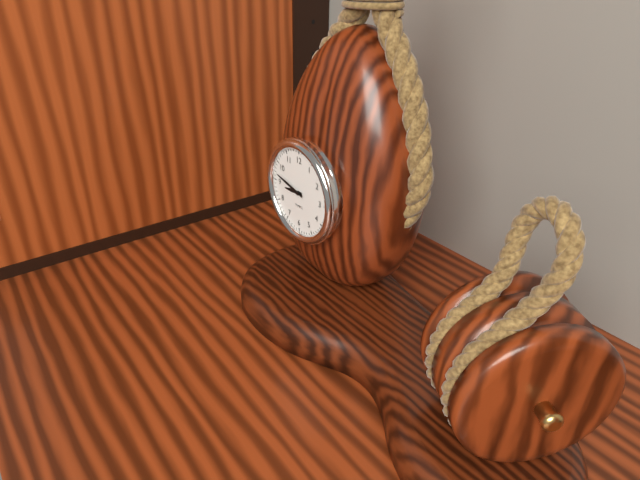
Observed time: 8:47
